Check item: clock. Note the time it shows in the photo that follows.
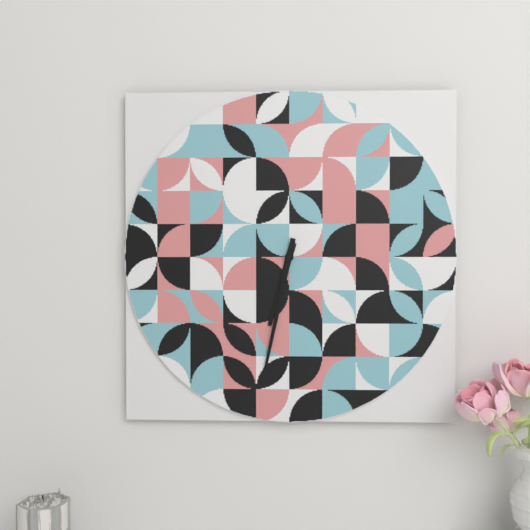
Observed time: 6:32
